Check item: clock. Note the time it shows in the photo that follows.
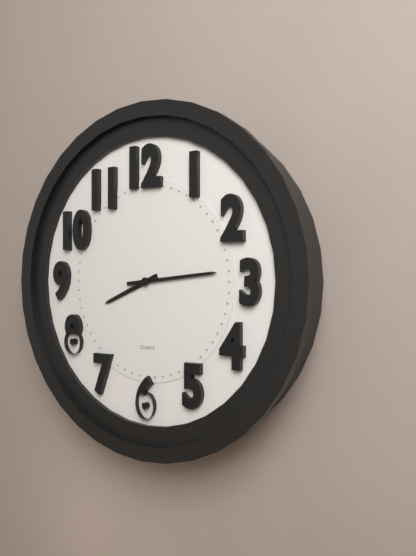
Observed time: 8:14
